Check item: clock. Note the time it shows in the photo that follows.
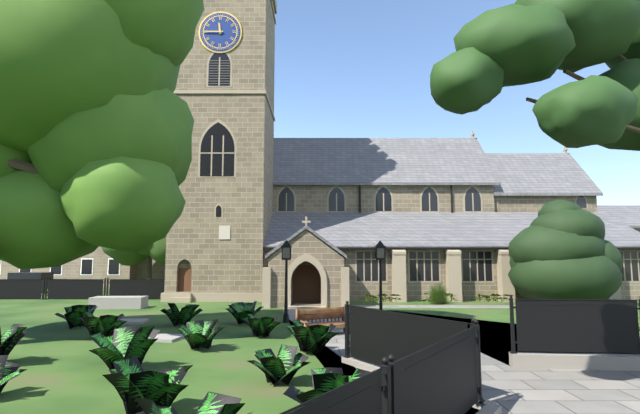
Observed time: 11:45
